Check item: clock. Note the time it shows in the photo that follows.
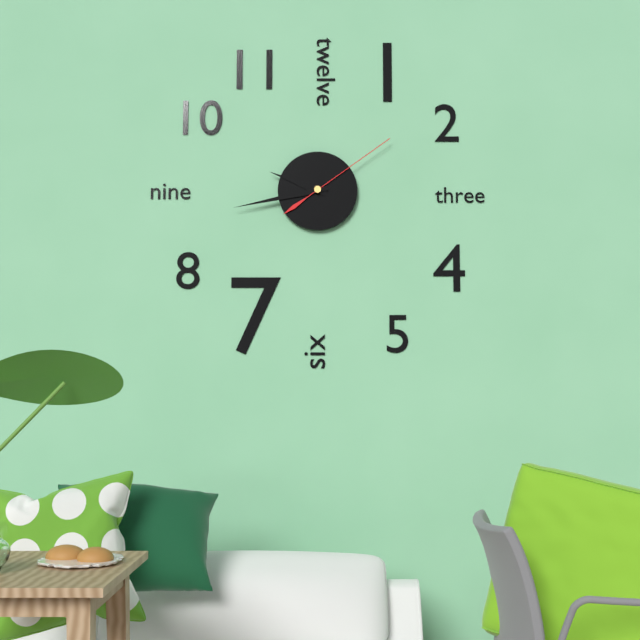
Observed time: 9:43:09
